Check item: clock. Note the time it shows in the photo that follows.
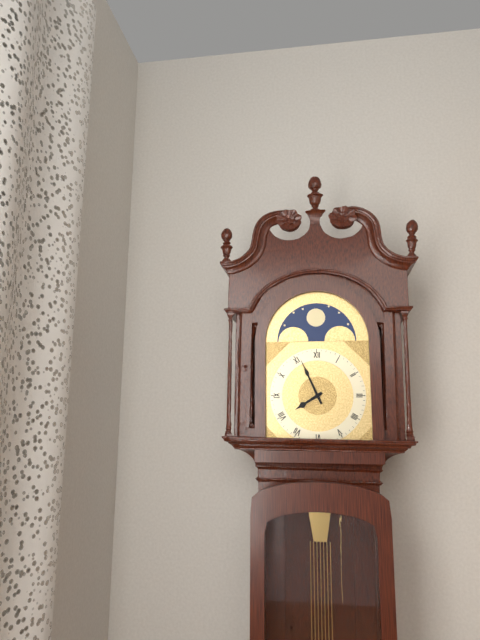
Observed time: 7:56
